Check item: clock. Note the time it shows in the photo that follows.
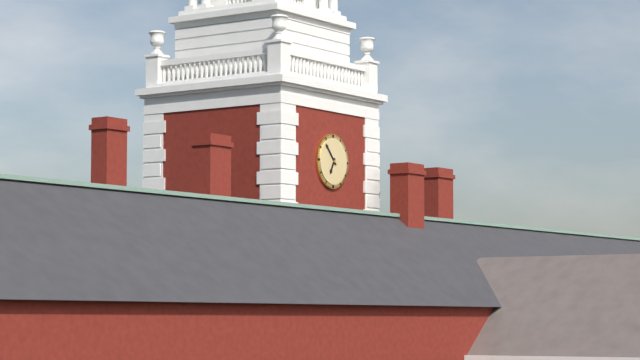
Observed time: 6:53
